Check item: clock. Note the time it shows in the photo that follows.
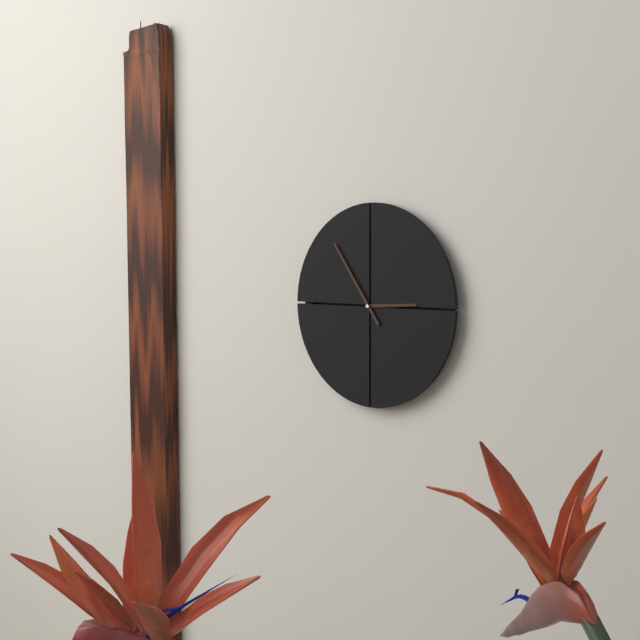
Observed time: 2:54
